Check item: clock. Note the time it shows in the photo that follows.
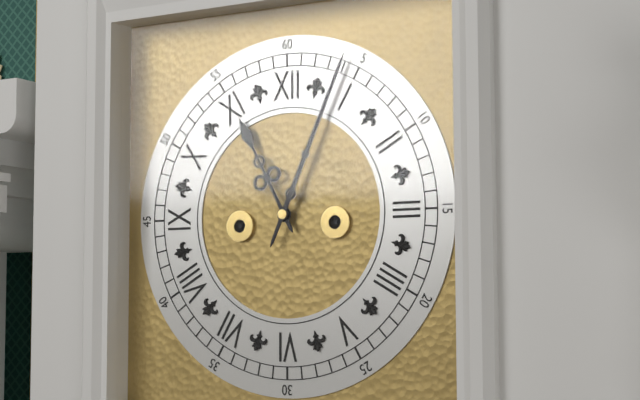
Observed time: 11:04
